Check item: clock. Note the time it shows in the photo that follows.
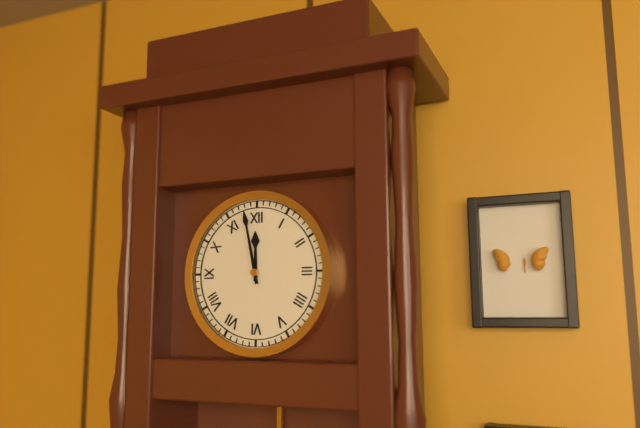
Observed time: 11:58
